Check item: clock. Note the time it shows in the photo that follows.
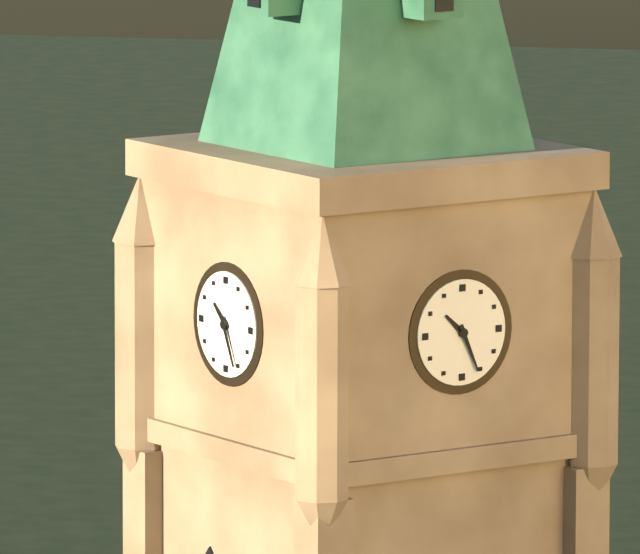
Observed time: 10:26
